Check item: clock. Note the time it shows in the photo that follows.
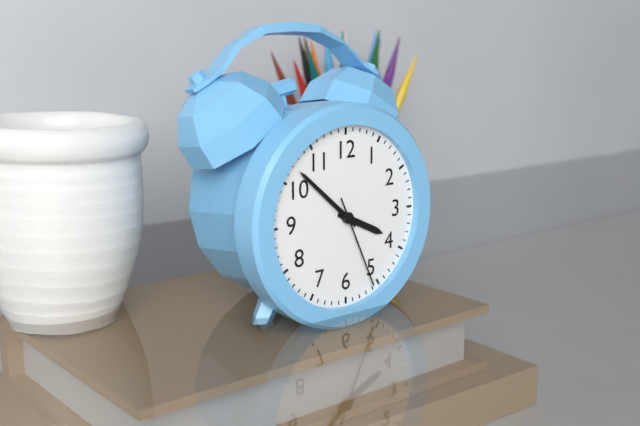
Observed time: 3:52:26
